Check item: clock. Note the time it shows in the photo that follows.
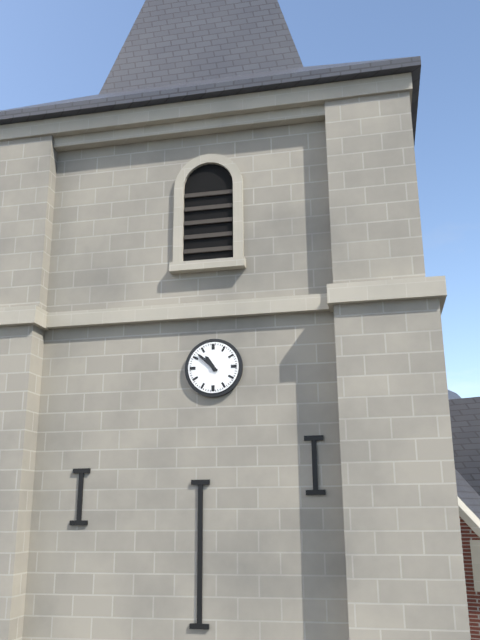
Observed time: 10:52
